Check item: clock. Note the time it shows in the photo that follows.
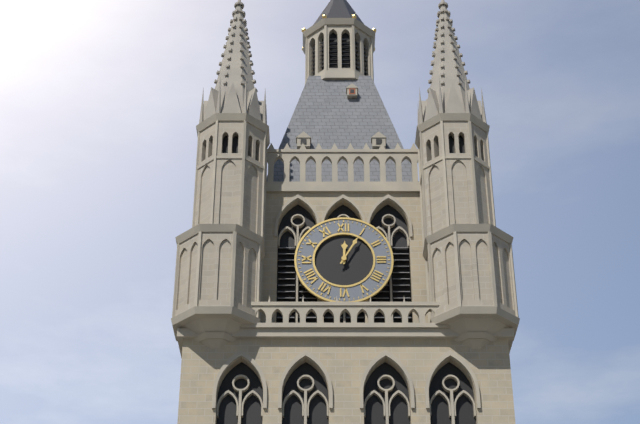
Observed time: 12:05
